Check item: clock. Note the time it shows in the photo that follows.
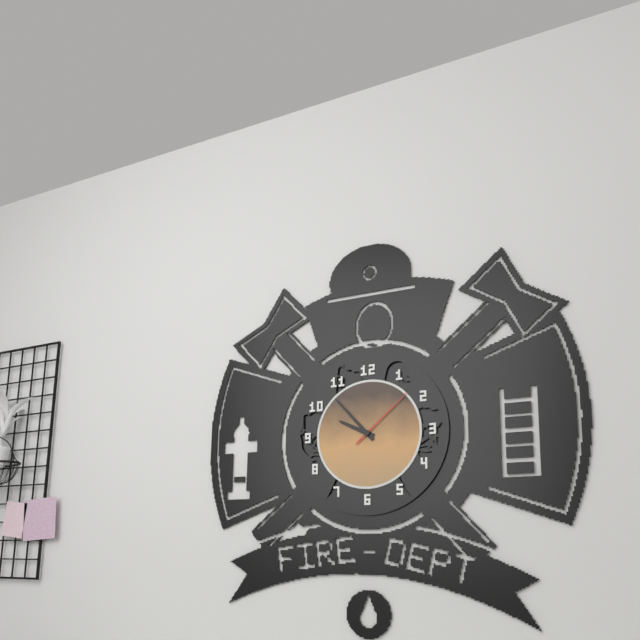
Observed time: 9:53:08
